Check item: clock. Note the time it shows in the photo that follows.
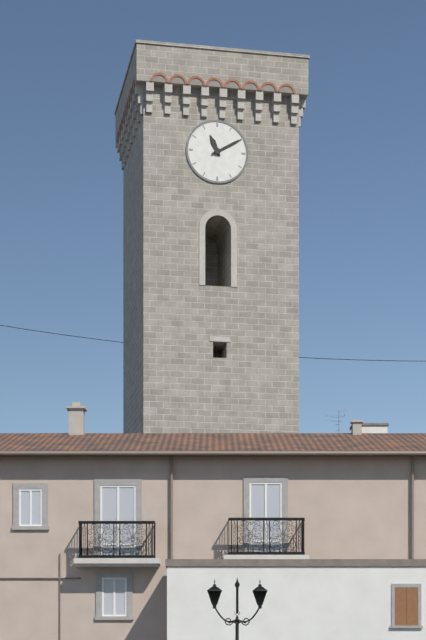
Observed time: 11:10
